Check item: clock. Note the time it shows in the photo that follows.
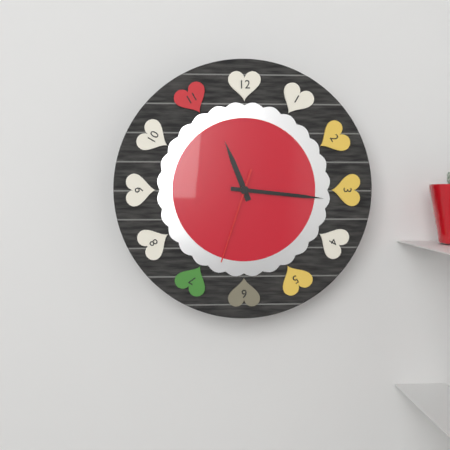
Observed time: 11:16:33
